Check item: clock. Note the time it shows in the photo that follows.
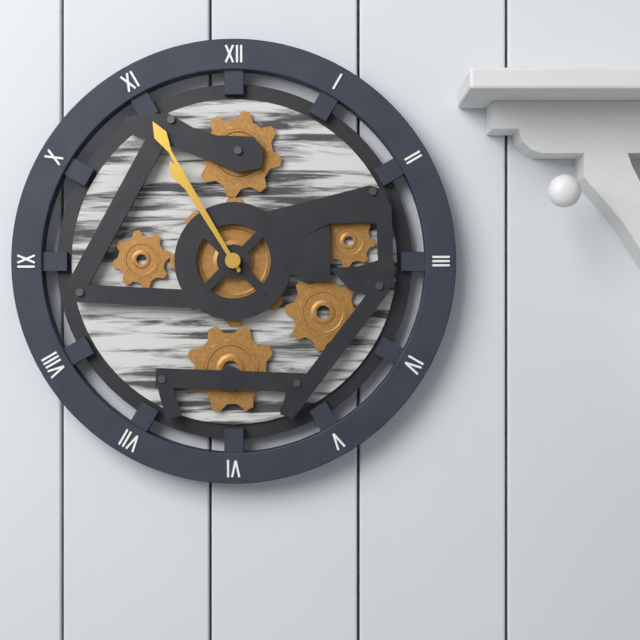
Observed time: 10:55
